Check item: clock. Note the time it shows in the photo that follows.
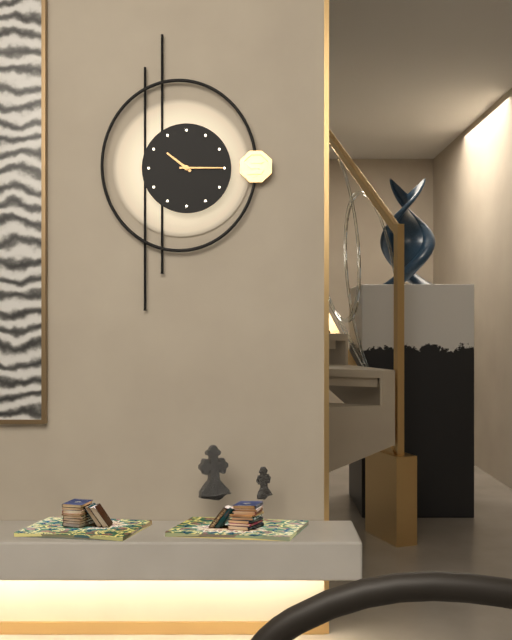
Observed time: 10:15
